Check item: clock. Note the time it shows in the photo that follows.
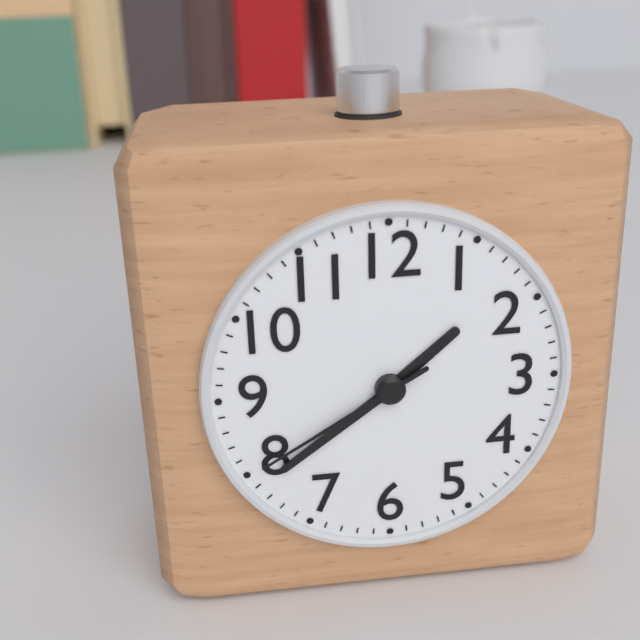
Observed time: 1:39:40
